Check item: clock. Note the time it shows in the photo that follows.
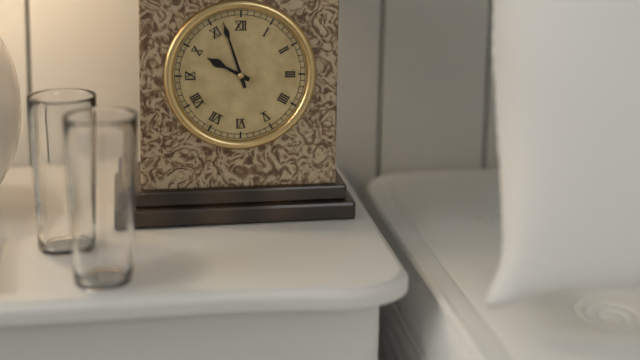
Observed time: 9:57
